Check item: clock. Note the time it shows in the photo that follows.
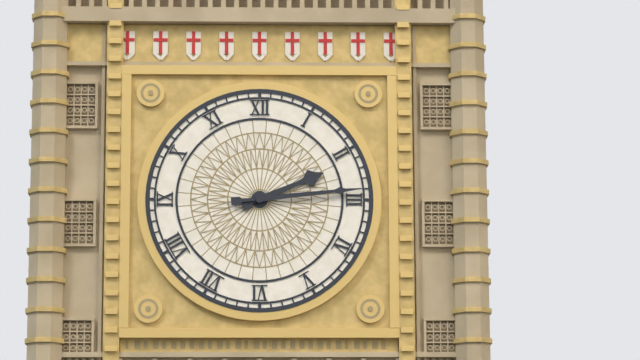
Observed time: 2:14
